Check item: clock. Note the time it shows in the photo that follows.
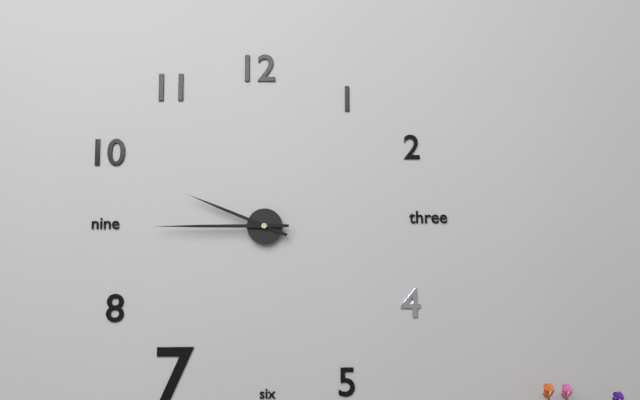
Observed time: 9:45
